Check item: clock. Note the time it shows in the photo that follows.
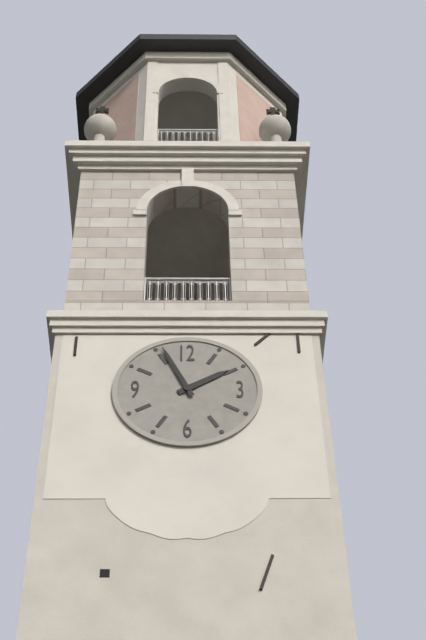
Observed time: 1:56
